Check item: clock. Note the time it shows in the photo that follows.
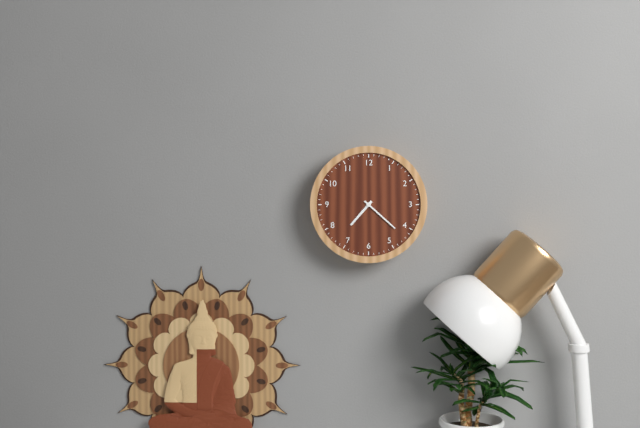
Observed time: 7:22
